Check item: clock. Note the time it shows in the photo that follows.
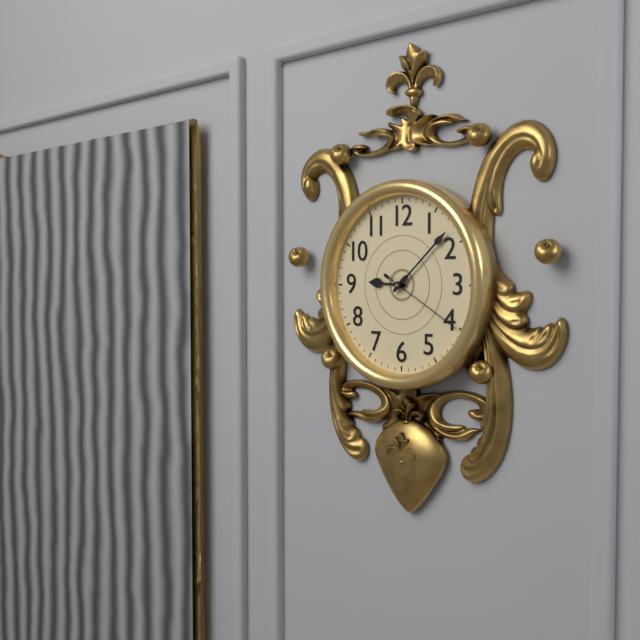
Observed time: 9:08:20
